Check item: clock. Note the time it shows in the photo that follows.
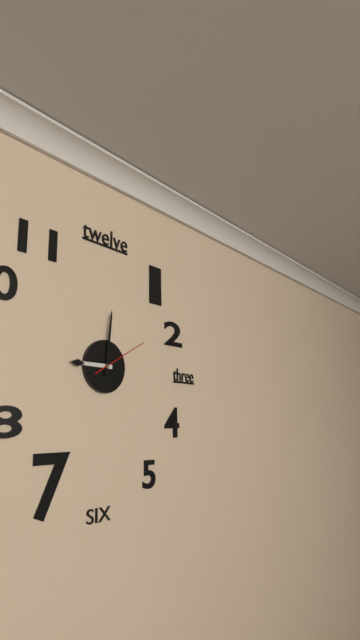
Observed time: 9:01:10
